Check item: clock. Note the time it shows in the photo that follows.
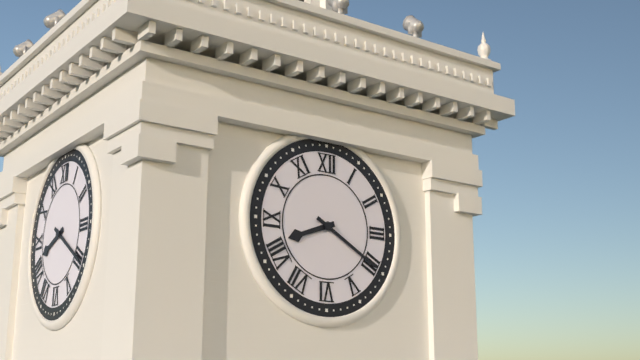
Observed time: 8:20
